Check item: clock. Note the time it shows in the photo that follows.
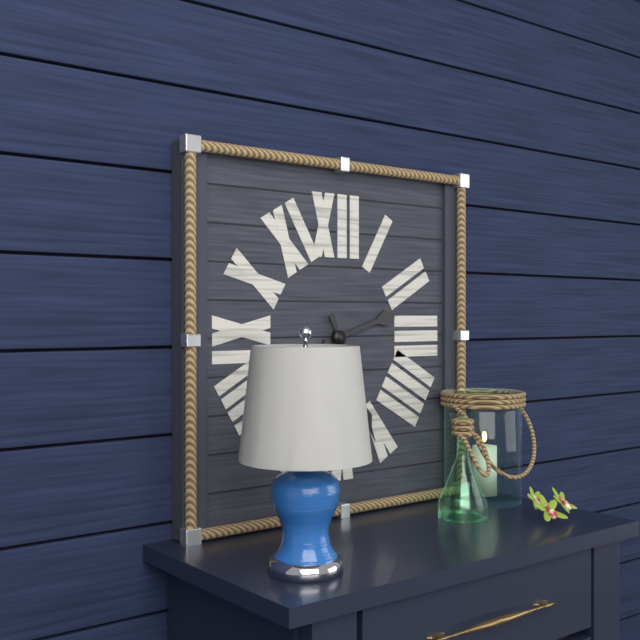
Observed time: 2:26
